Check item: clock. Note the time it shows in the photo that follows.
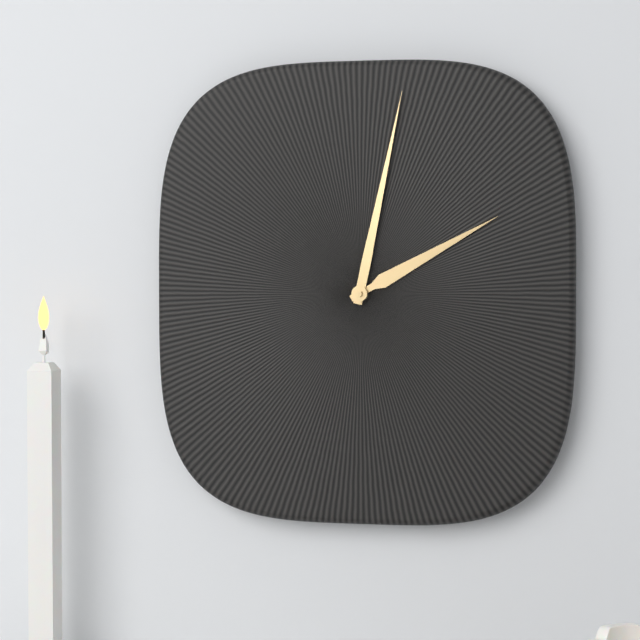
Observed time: 2:02
